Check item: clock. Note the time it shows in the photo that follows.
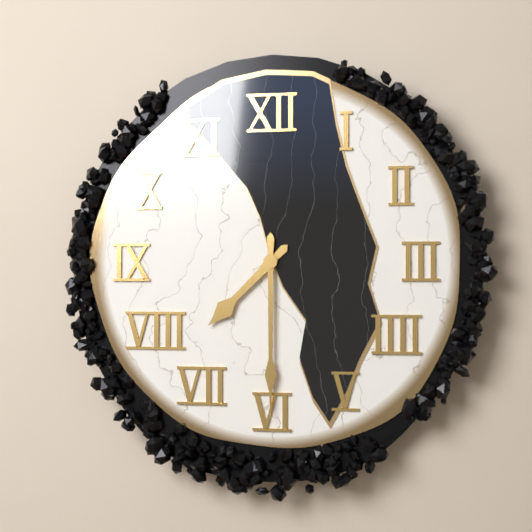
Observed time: 7:30
